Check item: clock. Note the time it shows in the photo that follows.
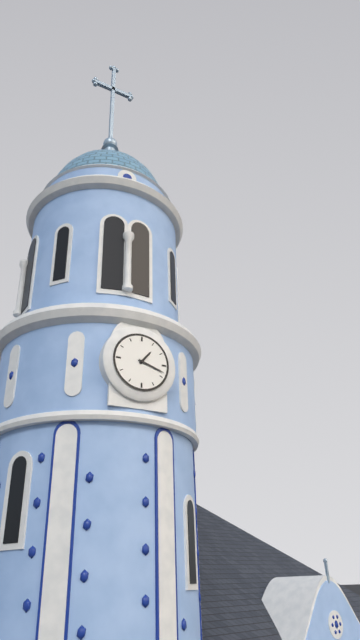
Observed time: 1:18
